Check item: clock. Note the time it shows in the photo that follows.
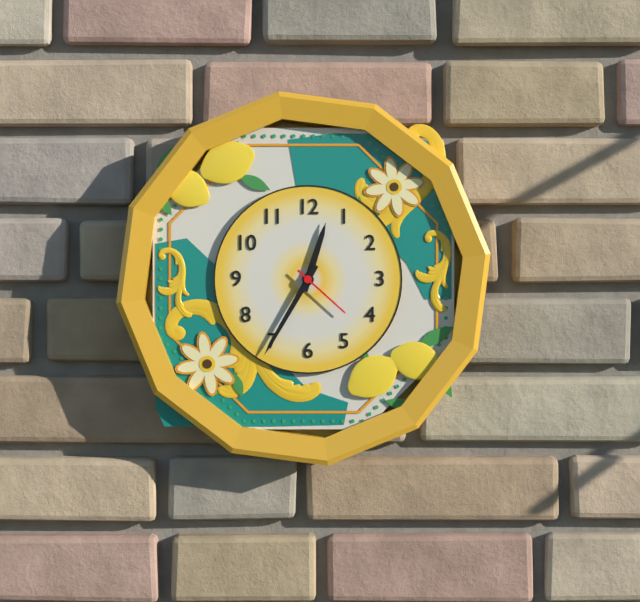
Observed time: 12:35:22
